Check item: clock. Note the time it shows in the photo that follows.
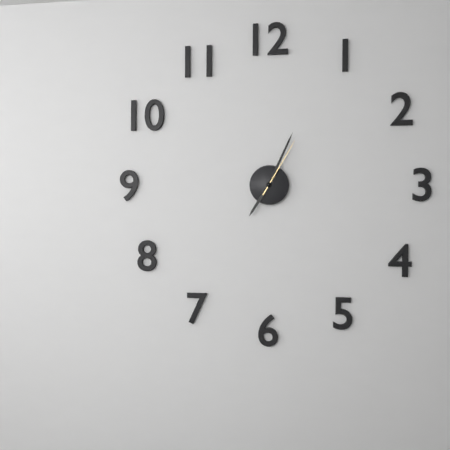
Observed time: 7:04:05
